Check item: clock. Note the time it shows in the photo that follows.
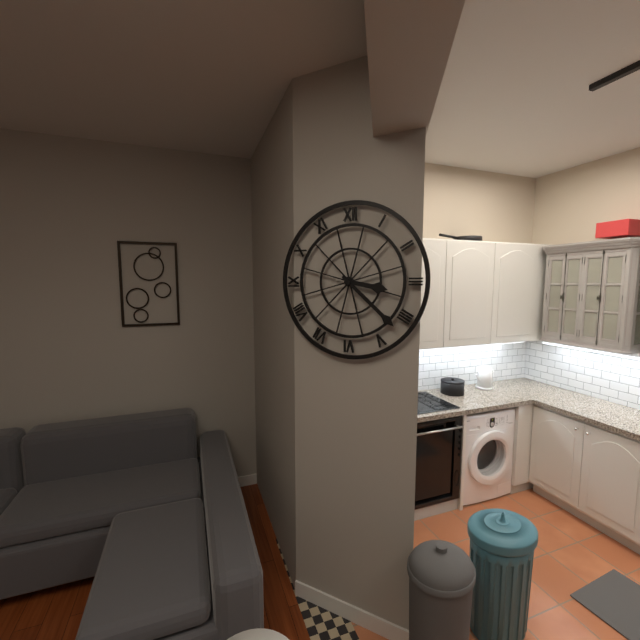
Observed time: 3:22
